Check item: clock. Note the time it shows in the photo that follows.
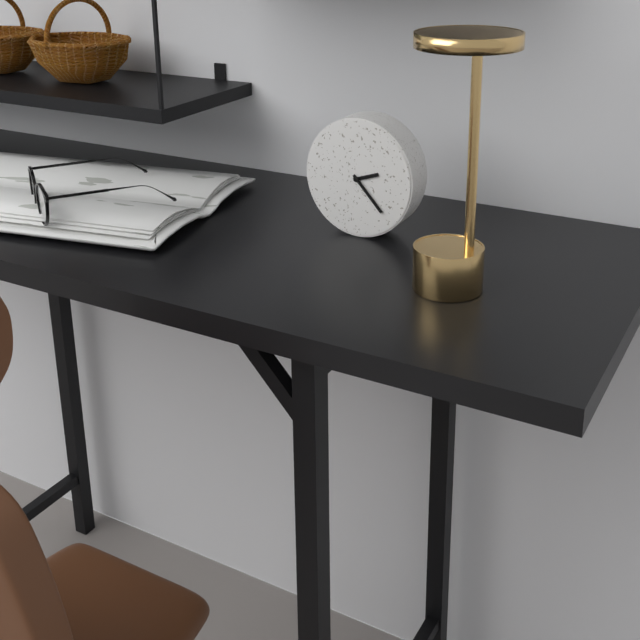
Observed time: 2:23
